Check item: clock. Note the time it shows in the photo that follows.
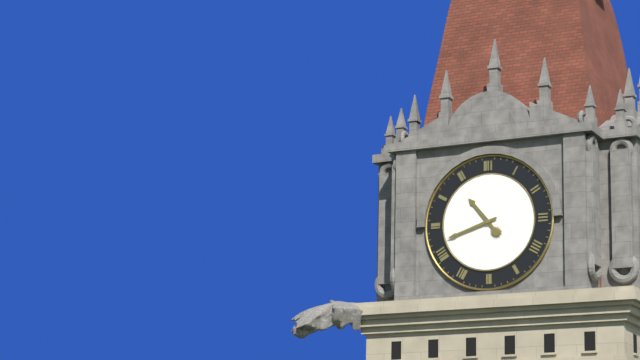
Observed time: 10:42
